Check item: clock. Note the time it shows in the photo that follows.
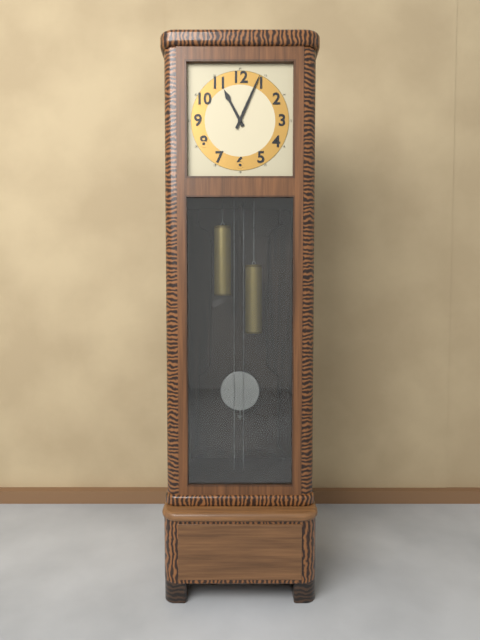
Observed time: 11:04
